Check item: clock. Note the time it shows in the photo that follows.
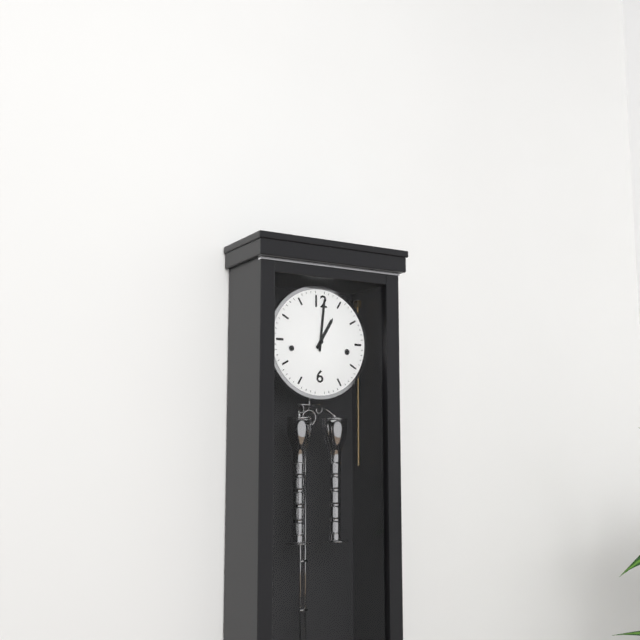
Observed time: 1:01
